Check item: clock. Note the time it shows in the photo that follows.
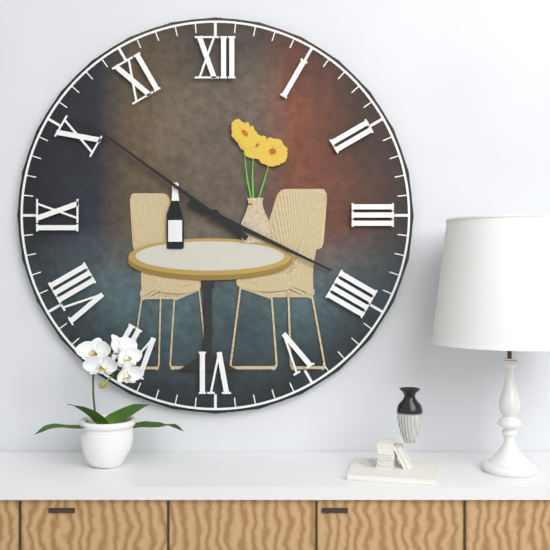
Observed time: 3:51
